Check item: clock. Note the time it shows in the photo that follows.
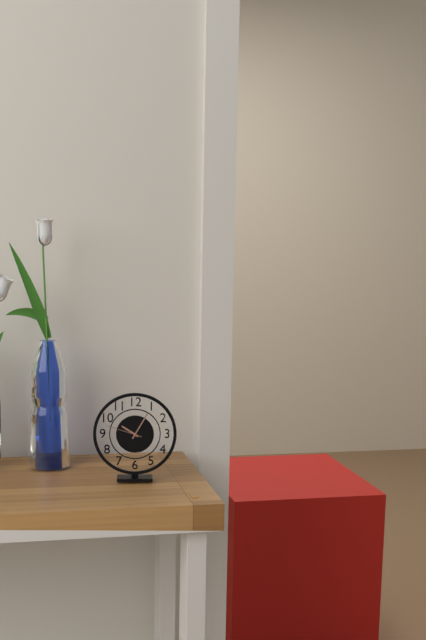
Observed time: 10:05
